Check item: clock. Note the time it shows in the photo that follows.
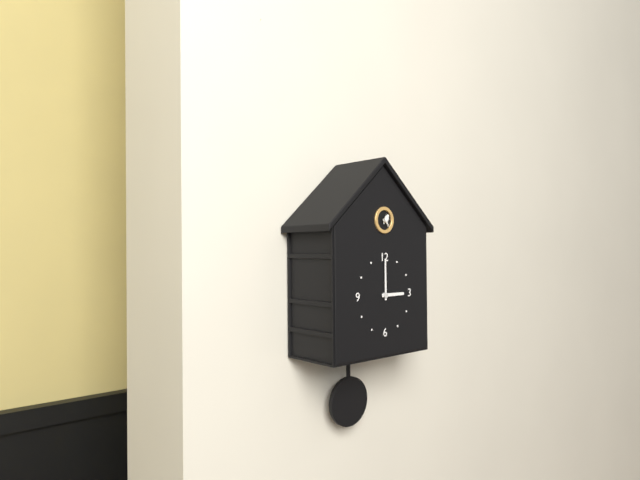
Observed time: 3:00
